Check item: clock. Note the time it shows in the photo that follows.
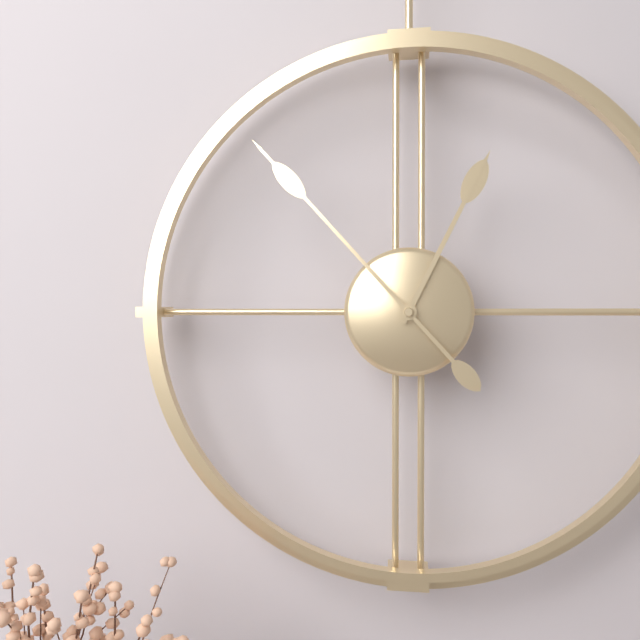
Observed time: 12:53
